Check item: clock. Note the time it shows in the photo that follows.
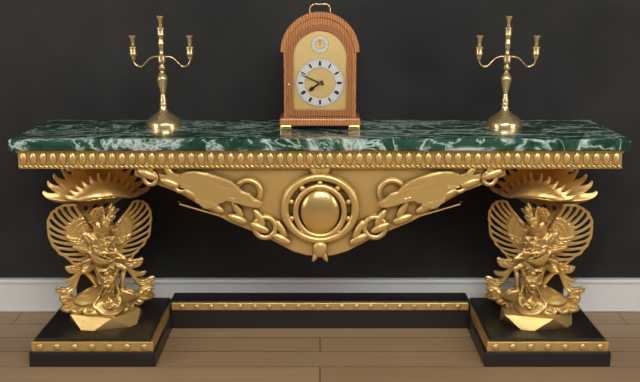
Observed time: 7:49
